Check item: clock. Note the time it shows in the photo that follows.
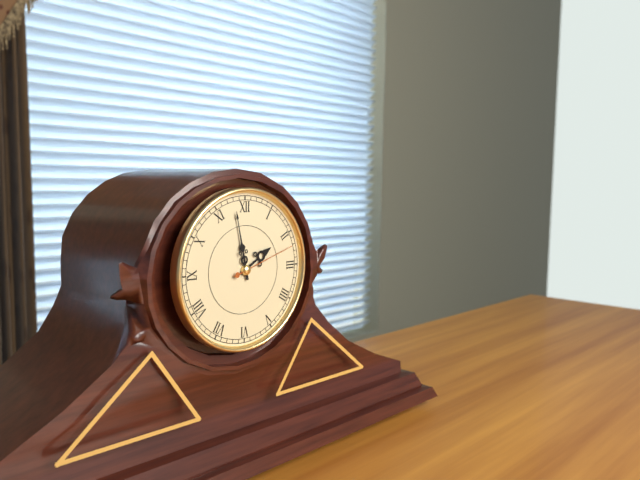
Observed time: 1:58:12
